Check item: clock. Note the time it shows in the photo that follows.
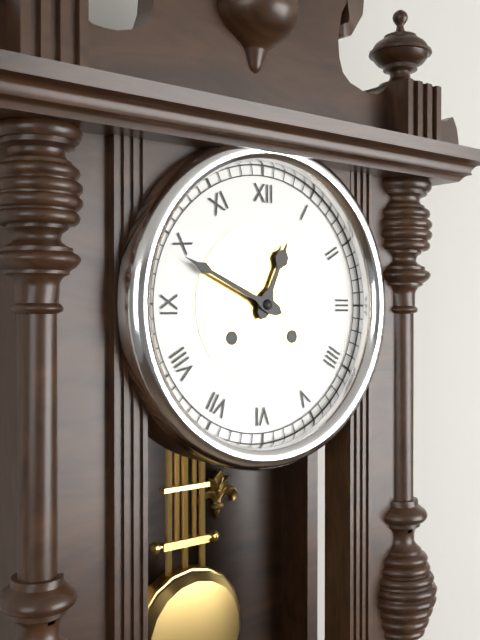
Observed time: 12:49
